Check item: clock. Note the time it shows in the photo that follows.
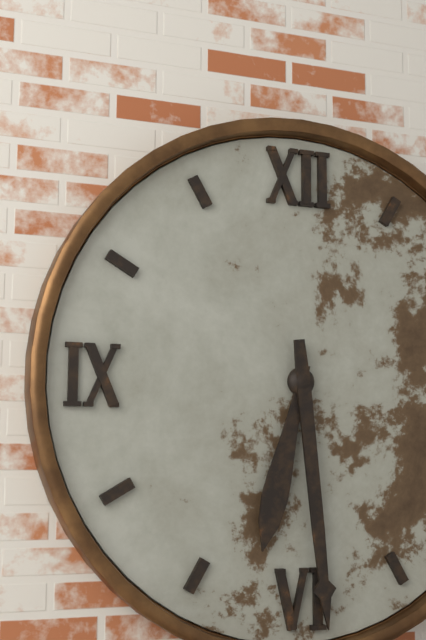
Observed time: 6:29
